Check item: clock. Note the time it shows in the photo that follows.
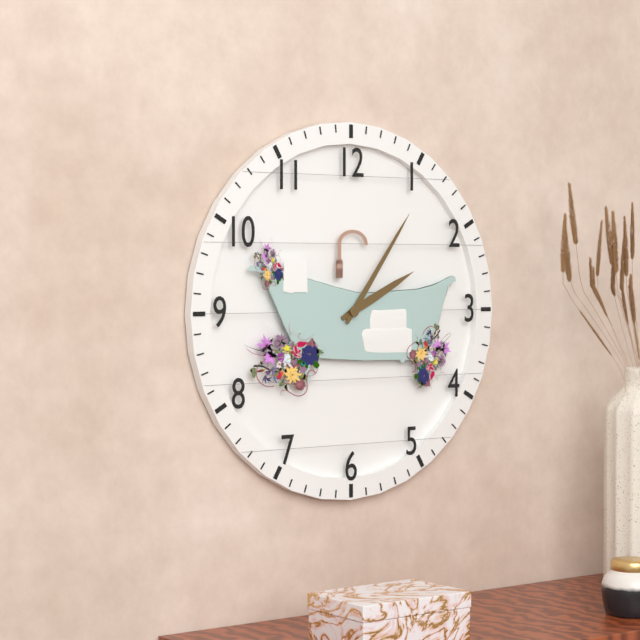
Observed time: 2:06
